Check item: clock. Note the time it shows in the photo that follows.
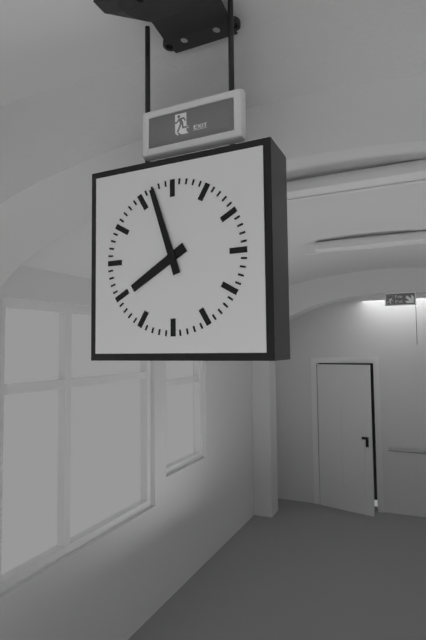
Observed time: 7:57
